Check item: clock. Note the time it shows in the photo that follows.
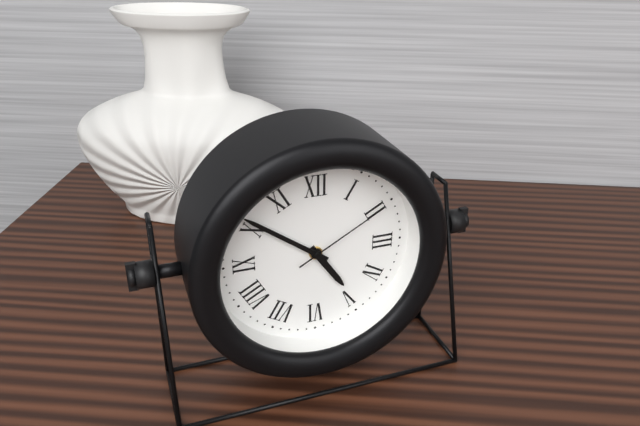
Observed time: 4:51:10
